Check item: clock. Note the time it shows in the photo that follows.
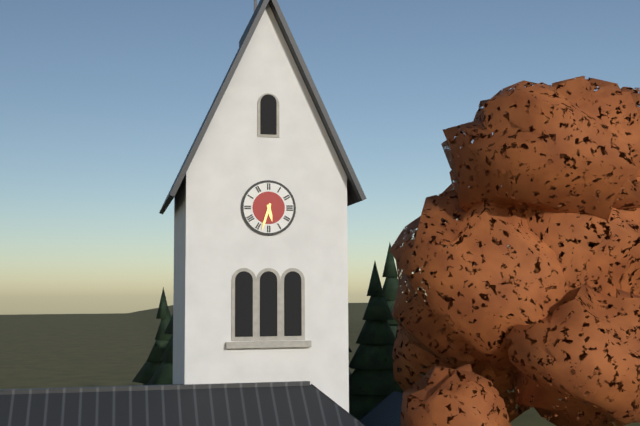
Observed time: 5:33
